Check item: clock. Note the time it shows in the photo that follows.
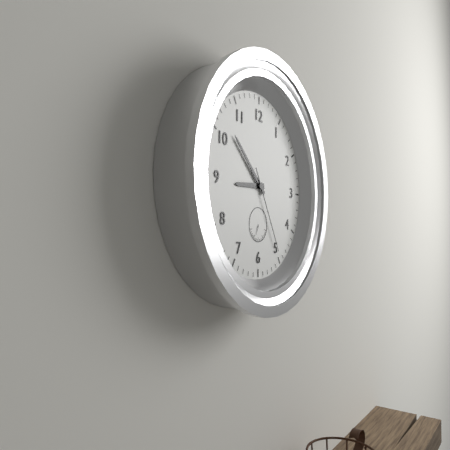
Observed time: 8:52:25
